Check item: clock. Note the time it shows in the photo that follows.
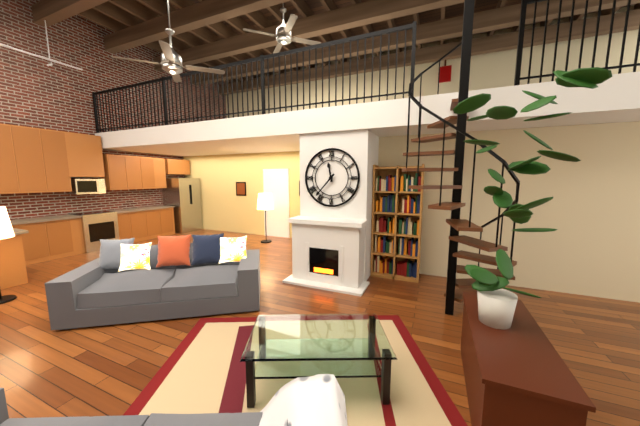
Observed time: 11:37
